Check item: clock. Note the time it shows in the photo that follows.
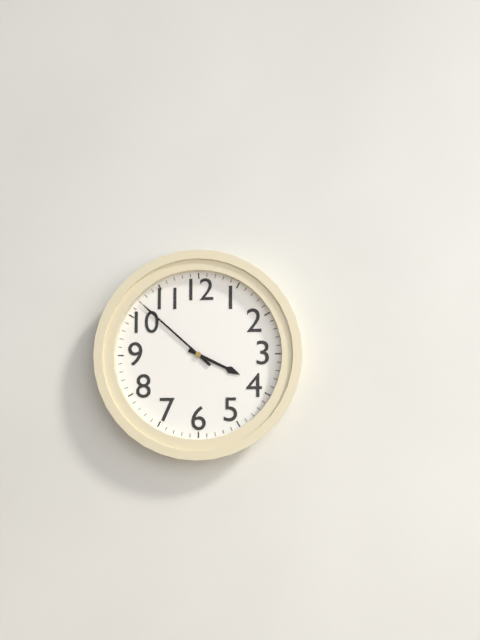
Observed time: 3:52
